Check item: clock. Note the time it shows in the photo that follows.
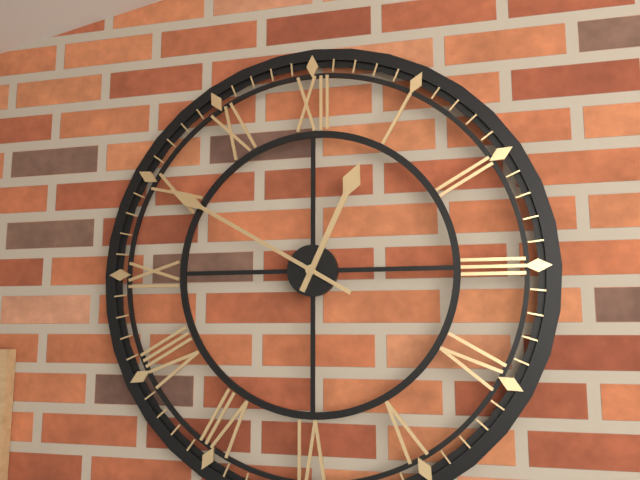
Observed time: 12:50
